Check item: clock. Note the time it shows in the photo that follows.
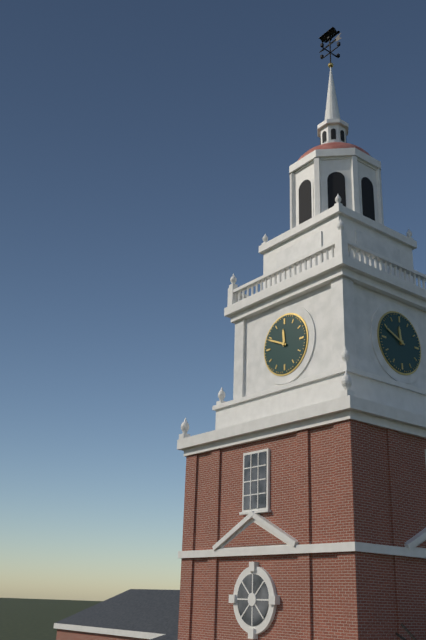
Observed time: 11:49
